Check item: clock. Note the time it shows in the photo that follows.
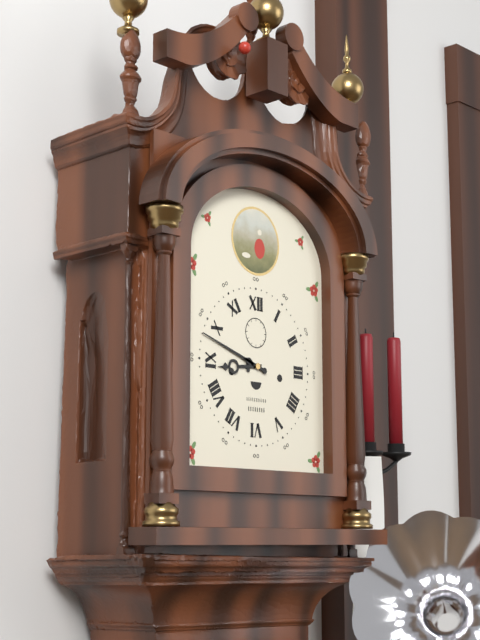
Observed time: 8:48
